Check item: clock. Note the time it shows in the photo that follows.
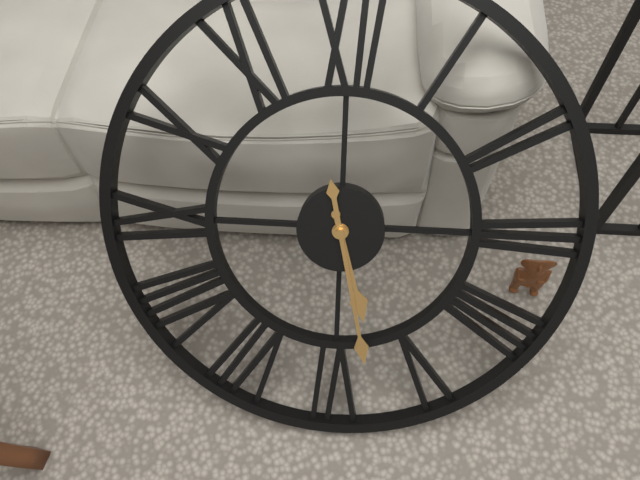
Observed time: 5:28
